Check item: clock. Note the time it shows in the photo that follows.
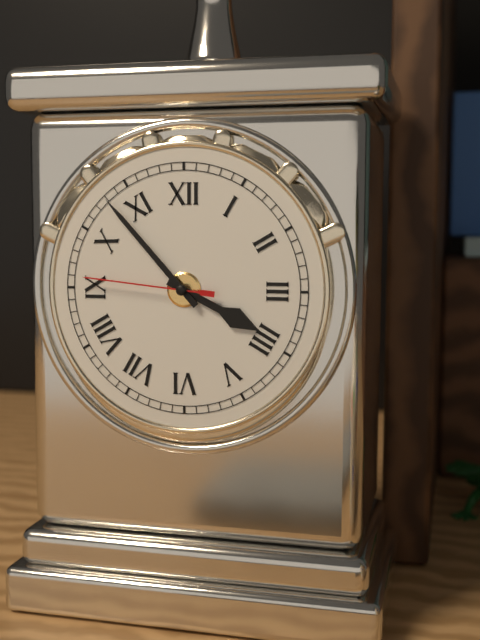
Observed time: 3:53:46
